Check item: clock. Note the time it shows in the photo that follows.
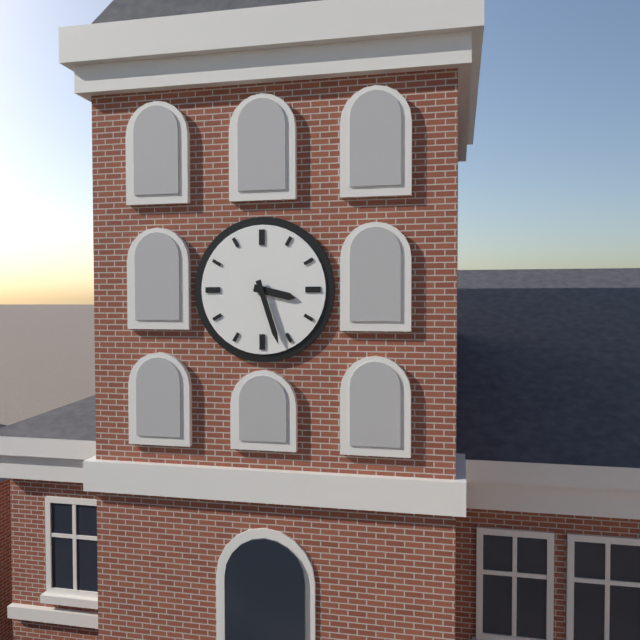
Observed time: 3:27
